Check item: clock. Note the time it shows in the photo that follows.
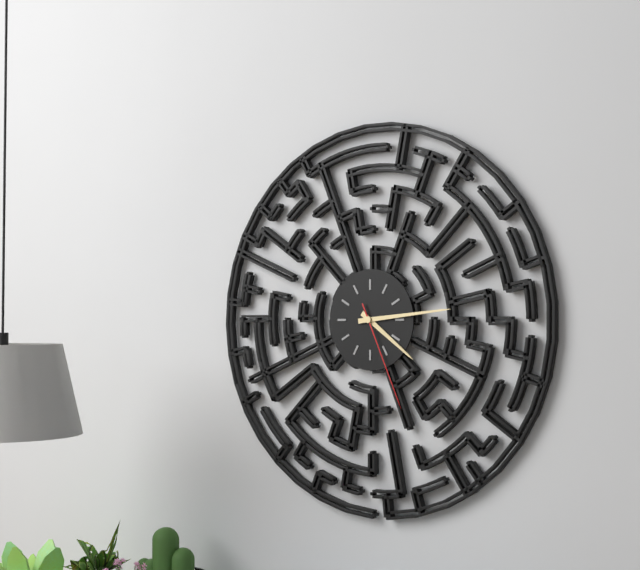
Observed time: 4:14:26
